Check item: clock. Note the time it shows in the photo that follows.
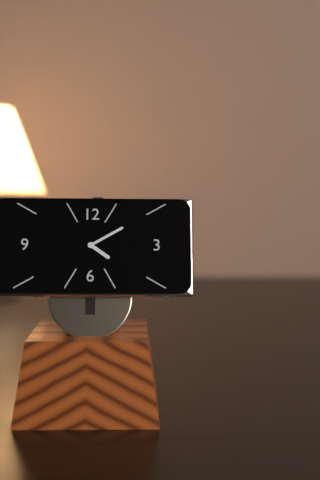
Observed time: 4:10
